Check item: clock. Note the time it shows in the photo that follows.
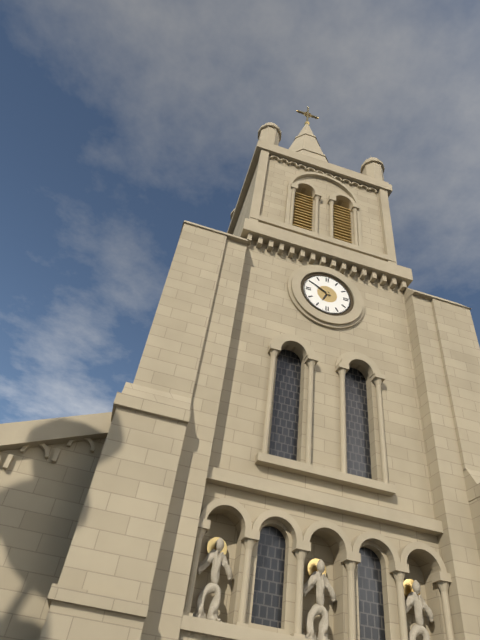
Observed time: 6:50
